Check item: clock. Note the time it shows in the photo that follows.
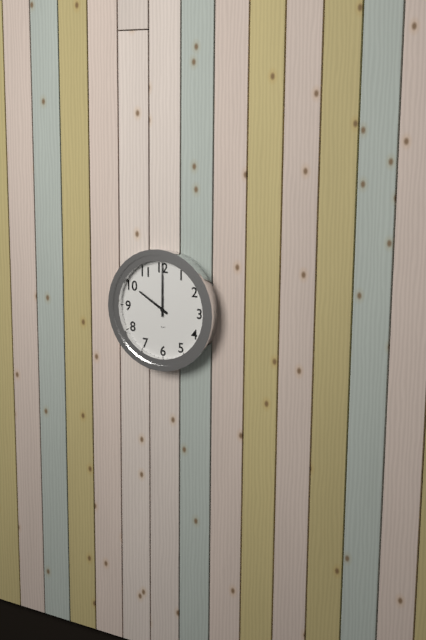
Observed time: 10:00
